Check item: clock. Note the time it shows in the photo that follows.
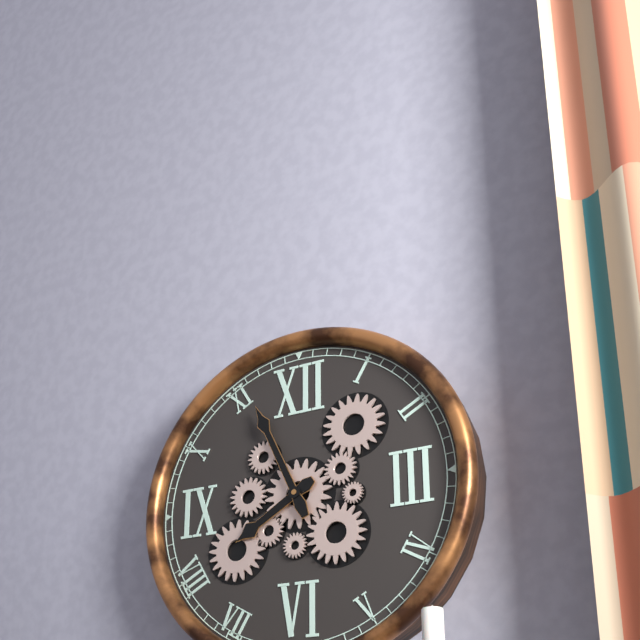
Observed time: 7:56
